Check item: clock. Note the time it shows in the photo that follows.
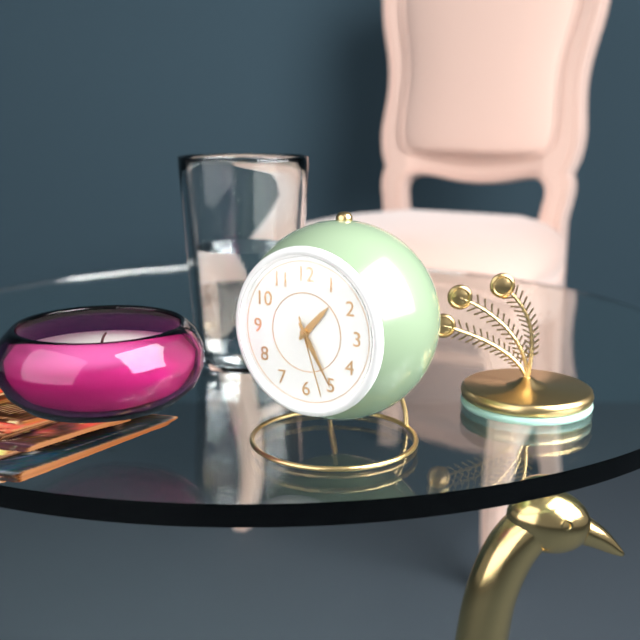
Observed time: 1:25:27
